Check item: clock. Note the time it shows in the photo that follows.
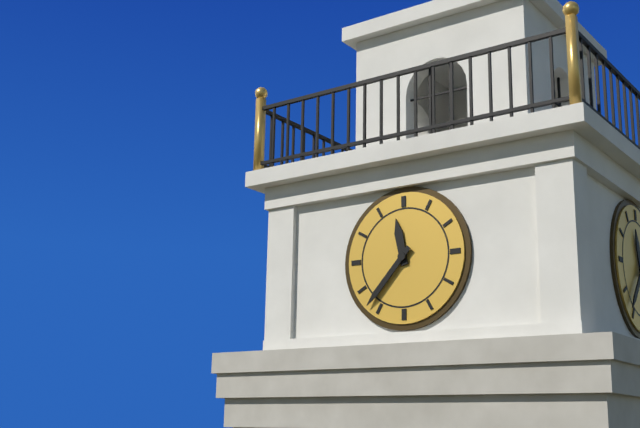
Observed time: 11:37
